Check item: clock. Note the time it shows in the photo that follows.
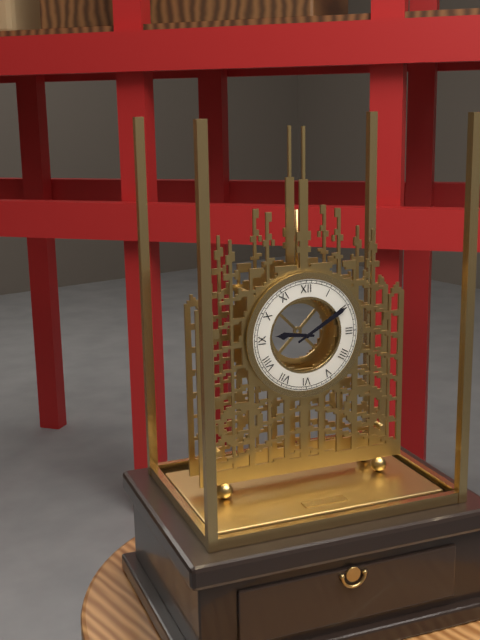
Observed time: 9:10
